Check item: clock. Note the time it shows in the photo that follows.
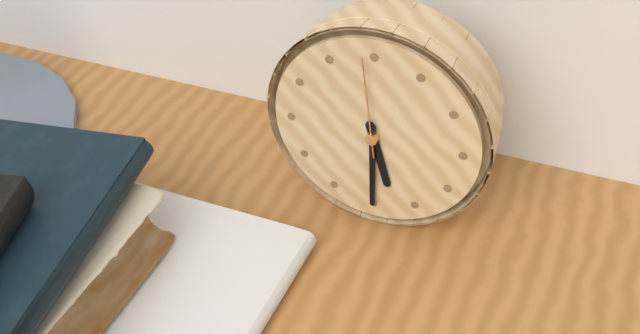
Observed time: 5:30:59
